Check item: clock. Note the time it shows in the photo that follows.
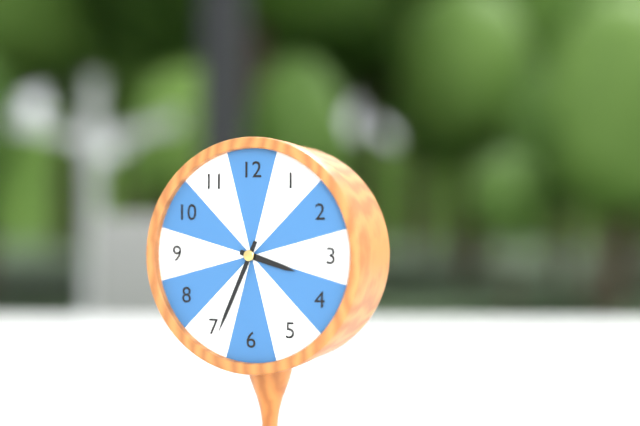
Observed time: 3:34
